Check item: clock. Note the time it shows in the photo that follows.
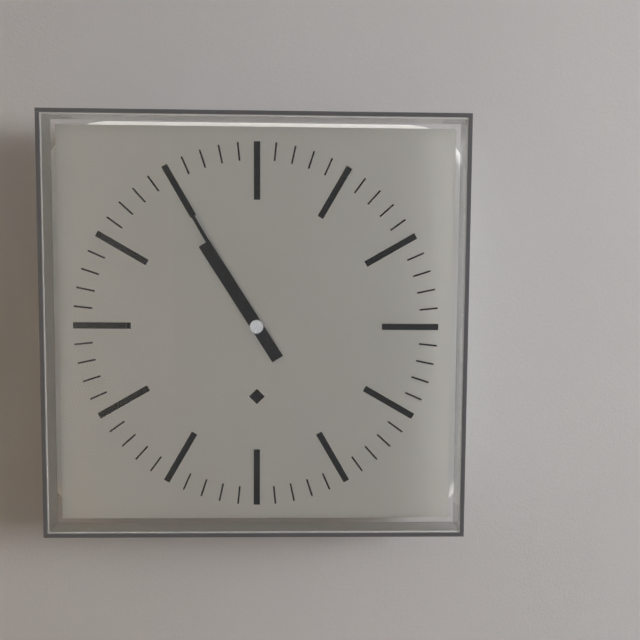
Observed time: 10:55
